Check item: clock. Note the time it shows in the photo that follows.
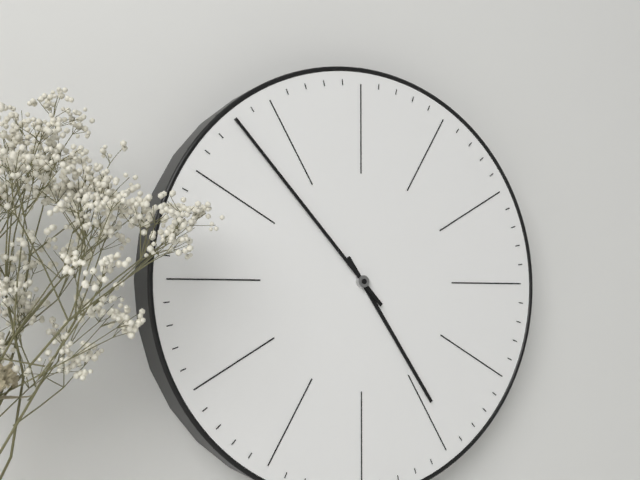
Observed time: 4:53
